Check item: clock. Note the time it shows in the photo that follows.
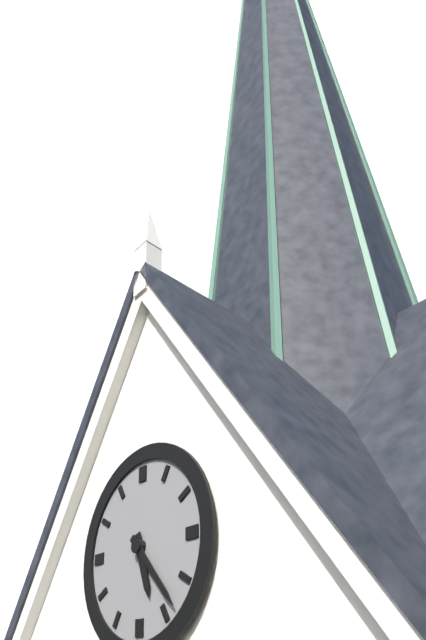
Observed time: 5:23
